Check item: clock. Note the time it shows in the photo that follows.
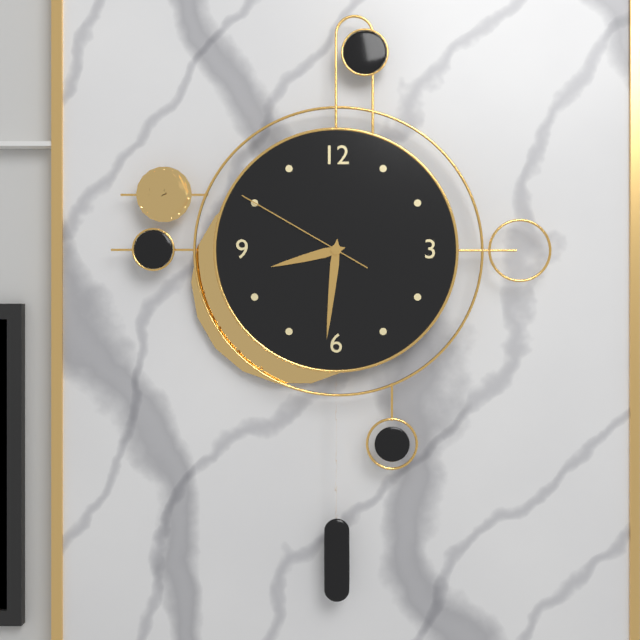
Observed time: 8:31:50
